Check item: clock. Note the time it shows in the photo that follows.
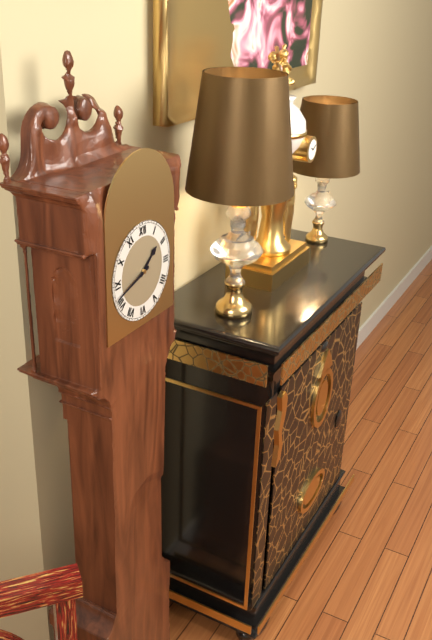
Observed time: 1:42
